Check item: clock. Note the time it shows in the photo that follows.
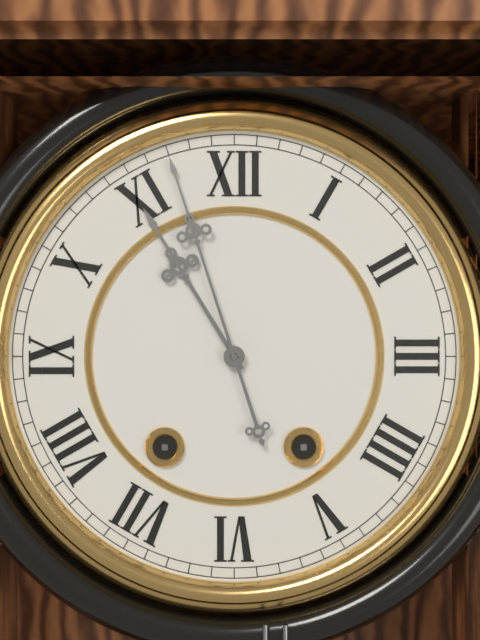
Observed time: 10:57
